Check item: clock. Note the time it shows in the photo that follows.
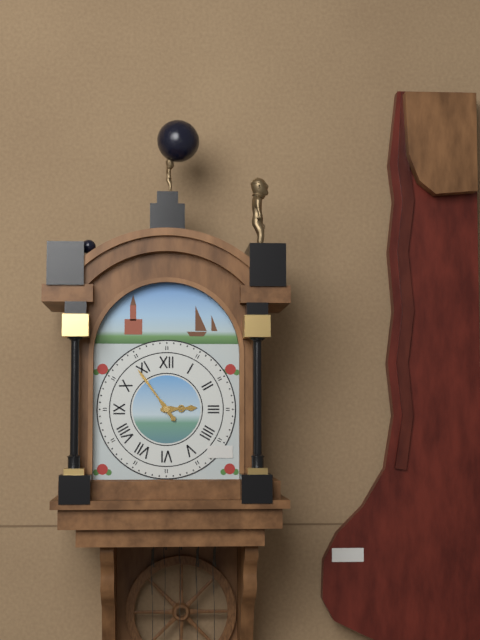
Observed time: 2:54
